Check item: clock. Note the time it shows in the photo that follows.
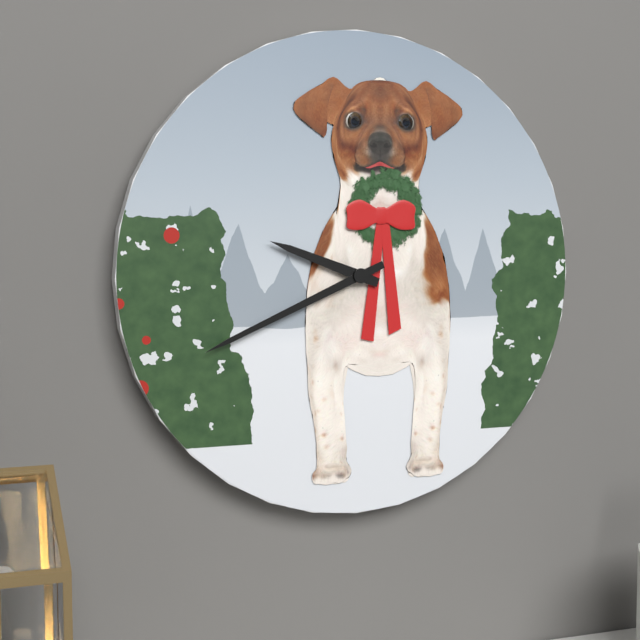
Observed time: 9:41
